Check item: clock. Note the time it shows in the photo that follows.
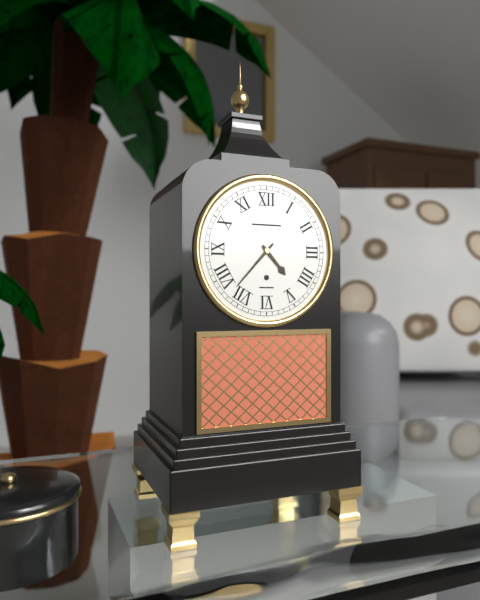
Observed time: 4:37
